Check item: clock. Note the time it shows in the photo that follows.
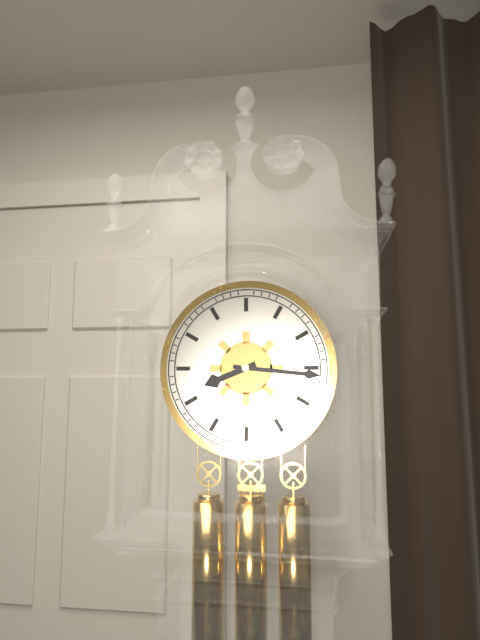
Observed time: 8:16
